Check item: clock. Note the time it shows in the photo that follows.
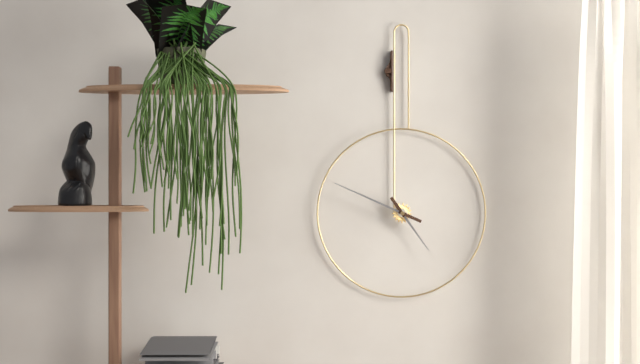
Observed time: 4:49
